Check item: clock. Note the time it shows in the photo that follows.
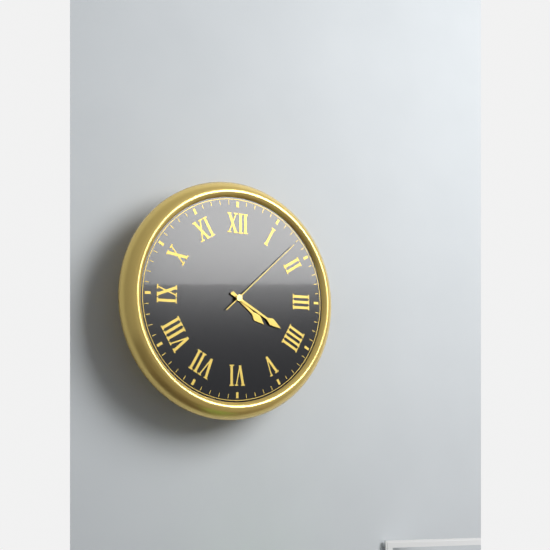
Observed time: 4:20:08
